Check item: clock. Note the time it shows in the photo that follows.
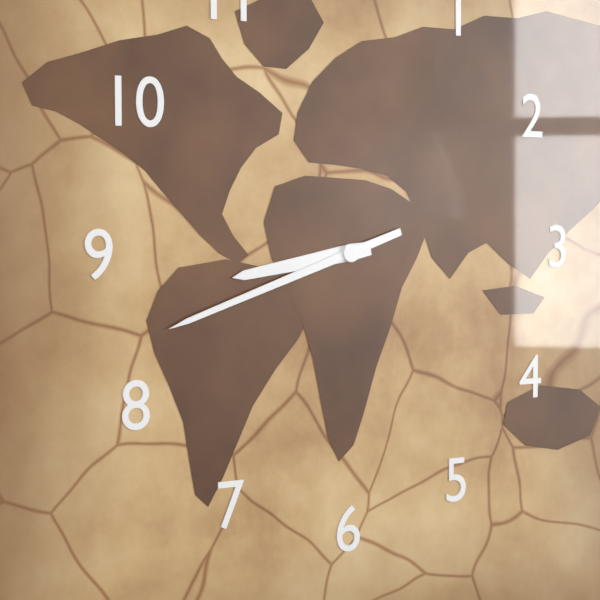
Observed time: 8:42
